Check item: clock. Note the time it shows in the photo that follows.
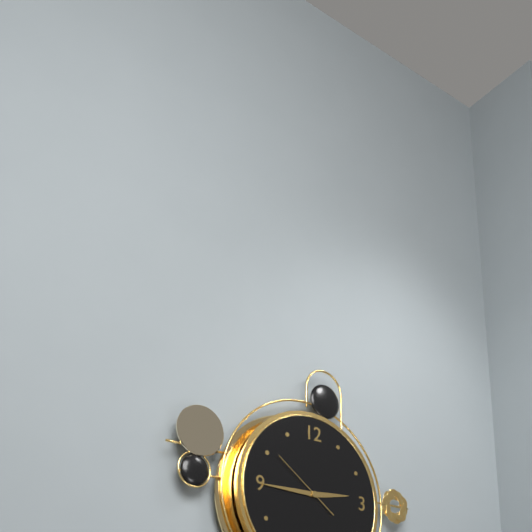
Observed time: 2:45:51
